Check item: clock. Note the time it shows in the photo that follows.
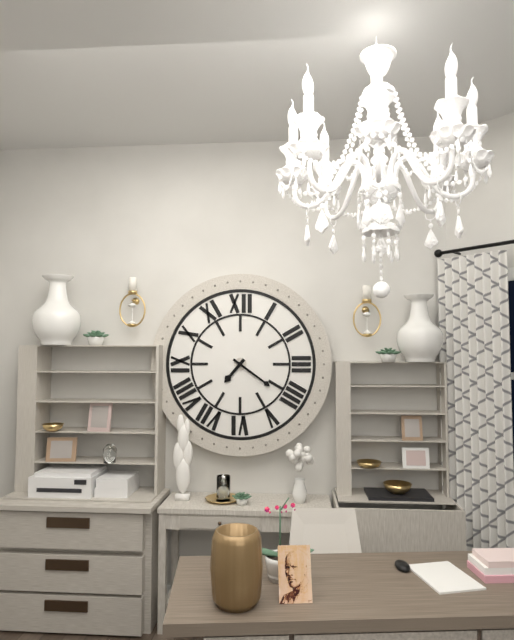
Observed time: 7:21
